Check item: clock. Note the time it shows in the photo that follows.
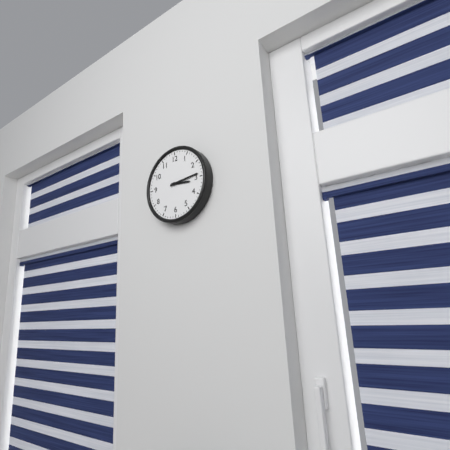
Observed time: 3:14
